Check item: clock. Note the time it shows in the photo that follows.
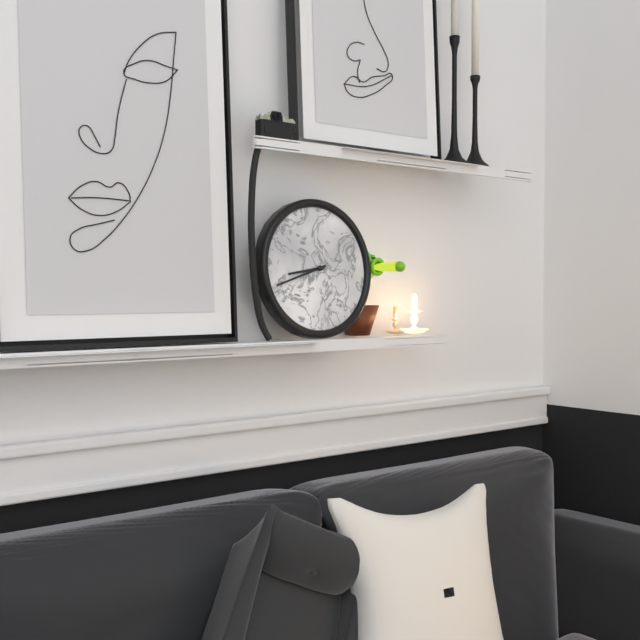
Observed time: 8:42
